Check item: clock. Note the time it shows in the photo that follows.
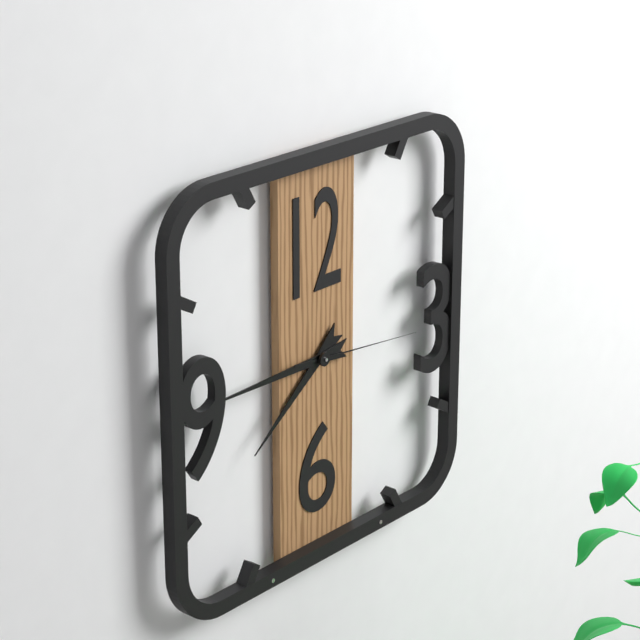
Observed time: 7:45:16
